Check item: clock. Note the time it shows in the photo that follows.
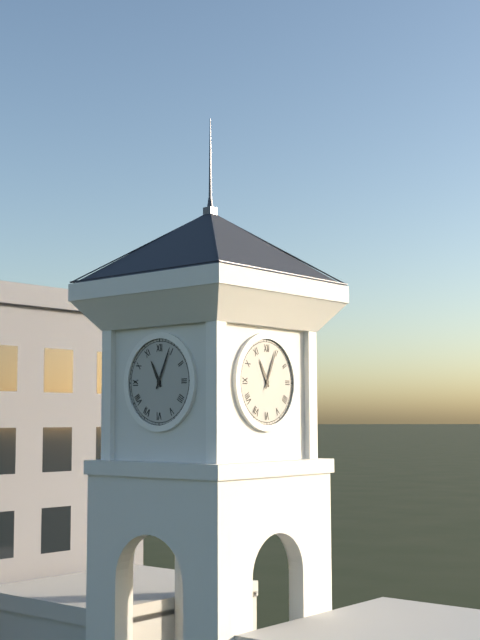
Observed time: 11:04
